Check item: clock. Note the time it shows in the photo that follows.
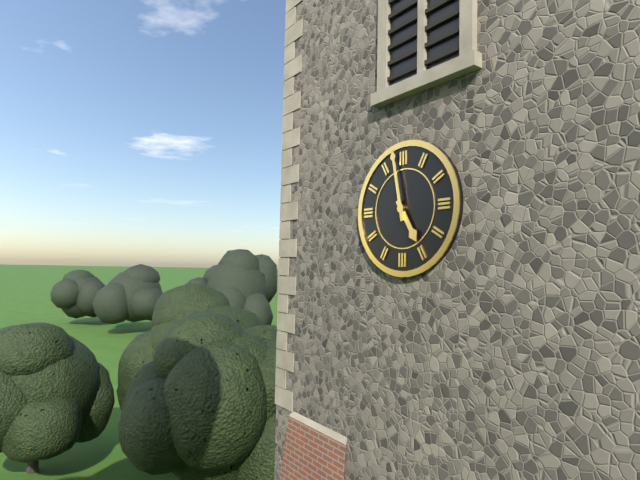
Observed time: 4:58
